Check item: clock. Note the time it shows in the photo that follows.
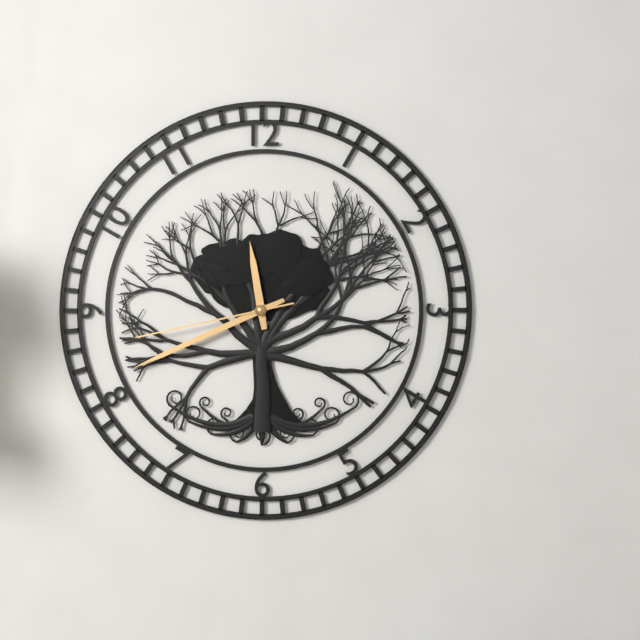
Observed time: 11:41:43
